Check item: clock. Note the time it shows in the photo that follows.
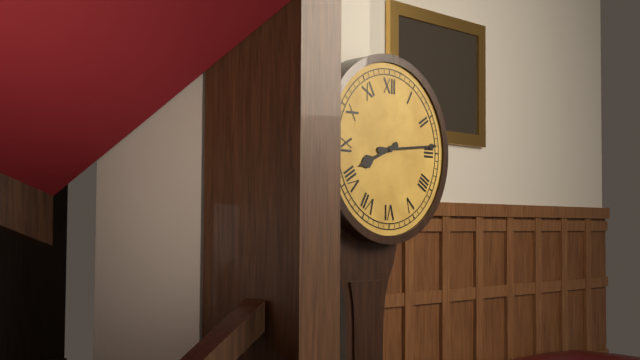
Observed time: 8:14
